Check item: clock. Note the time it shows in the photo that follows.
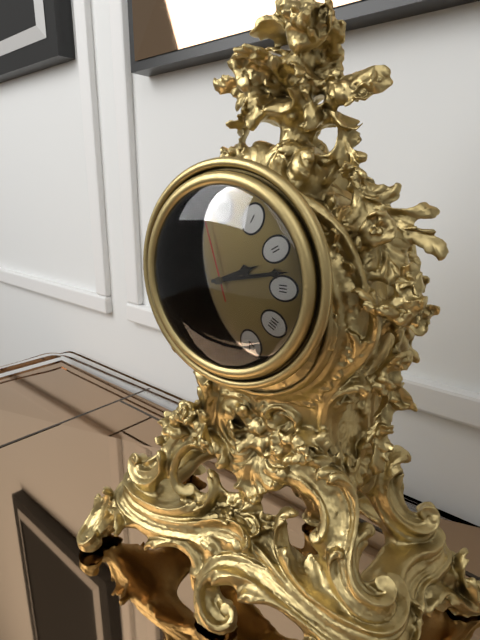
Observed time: 2:13:57
